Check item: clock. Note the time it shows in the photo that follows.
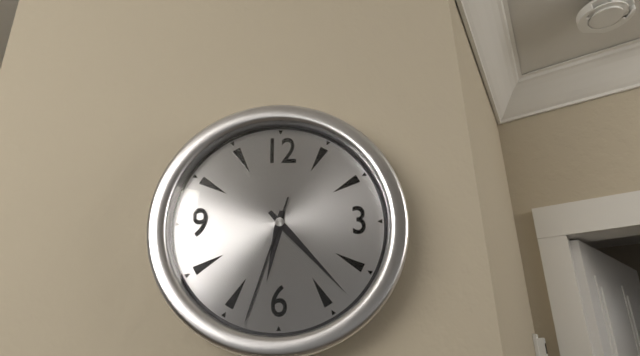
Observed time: 6:23:33
